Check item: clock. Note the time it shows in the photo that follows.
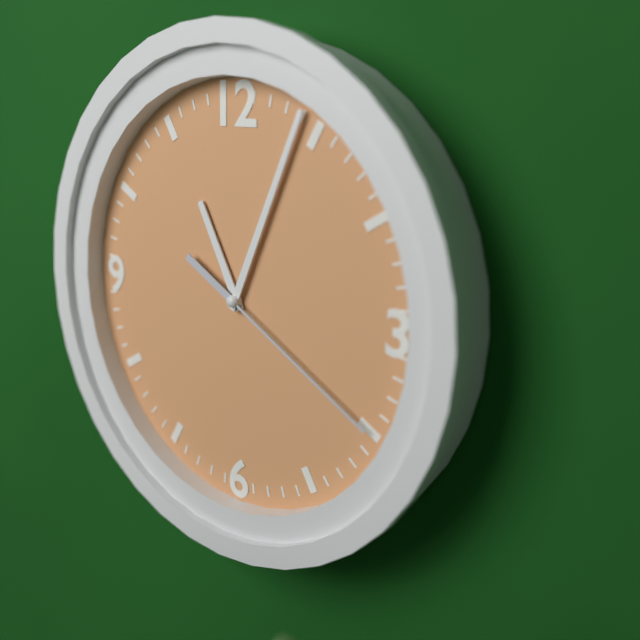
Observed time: 11:04:20
